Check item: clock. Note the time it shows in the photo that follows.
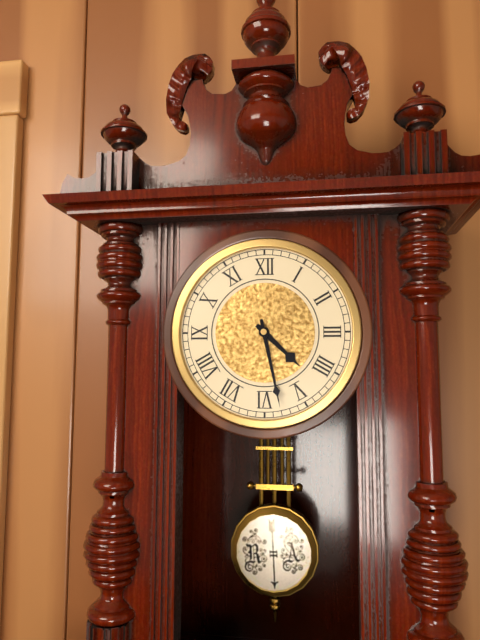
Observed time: 4:28
